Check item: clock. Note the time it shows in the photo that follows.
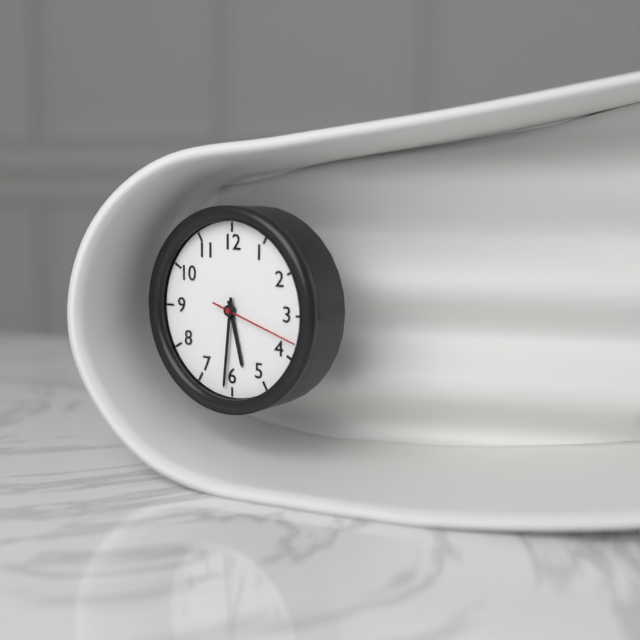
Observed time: 5:31:18
